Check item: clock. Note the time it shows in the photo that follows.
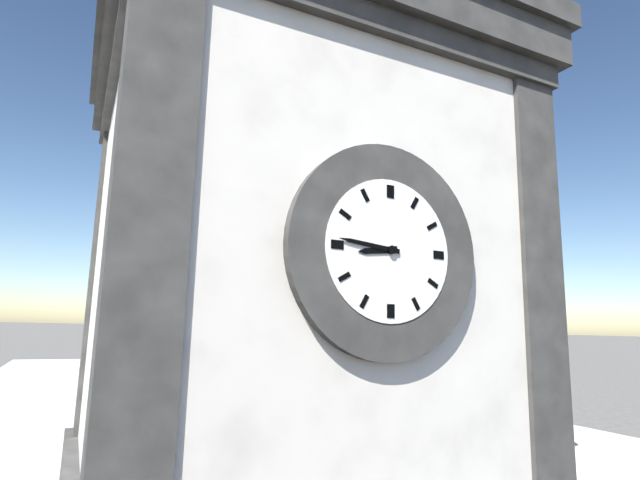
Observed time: 8:46
